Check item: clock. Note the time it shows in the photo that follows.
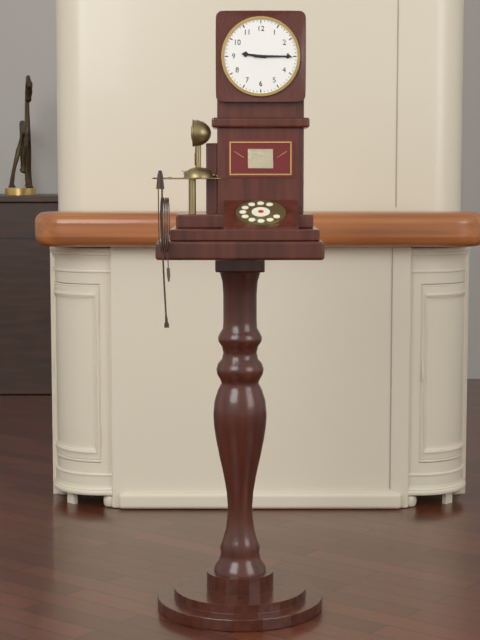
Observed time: 9:15
